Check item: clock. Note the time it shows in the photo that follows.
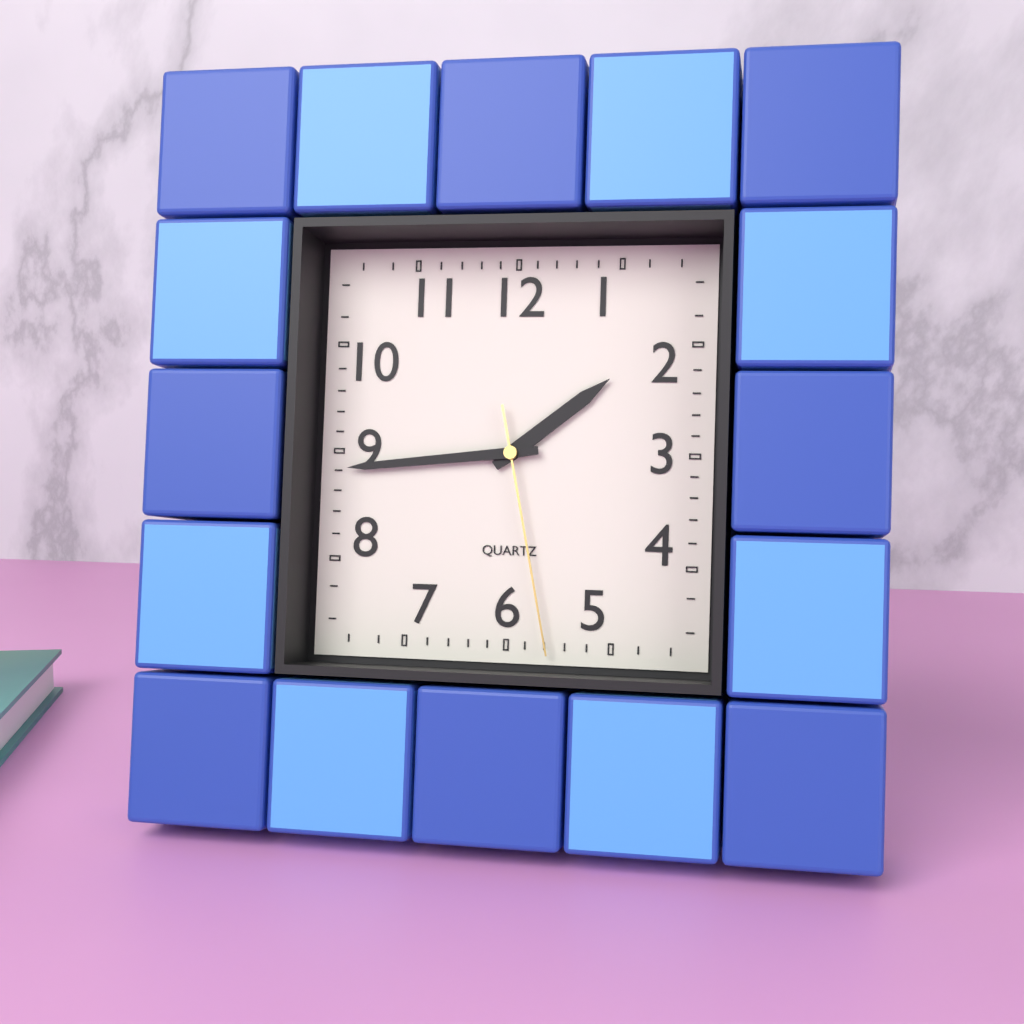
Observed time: 1:44:28
